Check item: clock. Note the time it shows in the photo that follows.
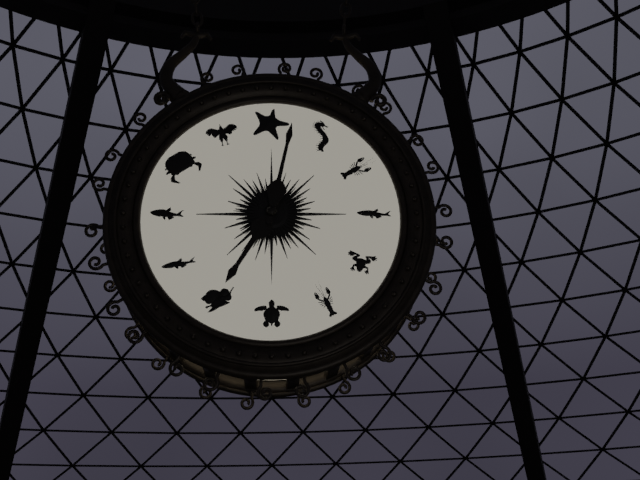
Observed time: 7:02
